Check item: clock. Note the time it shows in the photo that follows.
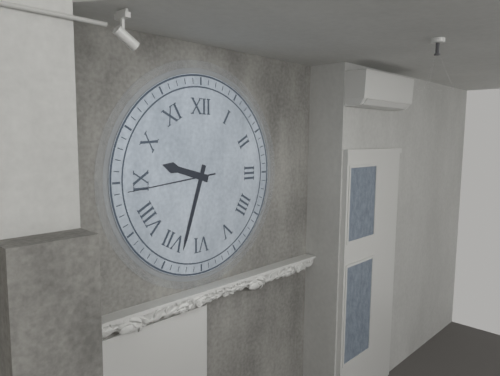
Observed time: 9:33:44
